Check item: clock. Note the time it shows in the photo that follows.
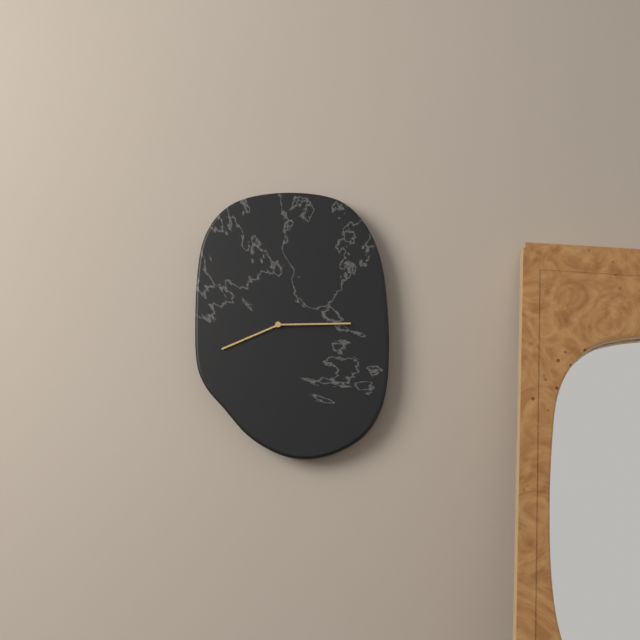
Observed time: 8:15
